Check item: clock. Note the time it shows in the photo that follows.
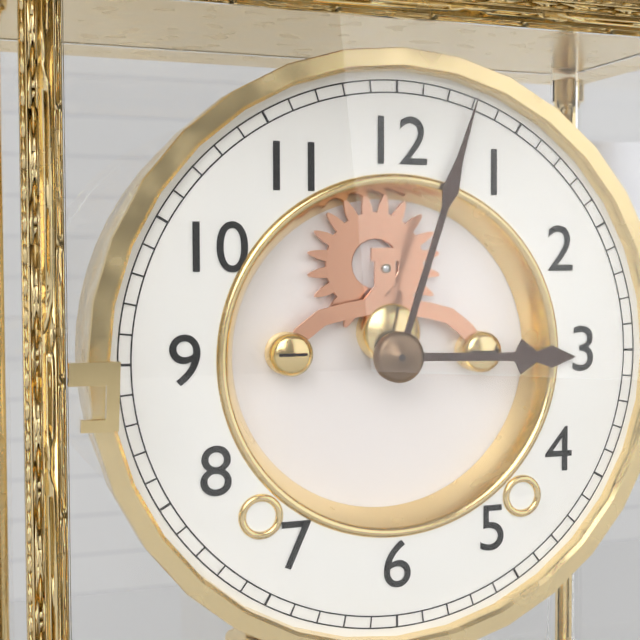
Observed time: 3:03
